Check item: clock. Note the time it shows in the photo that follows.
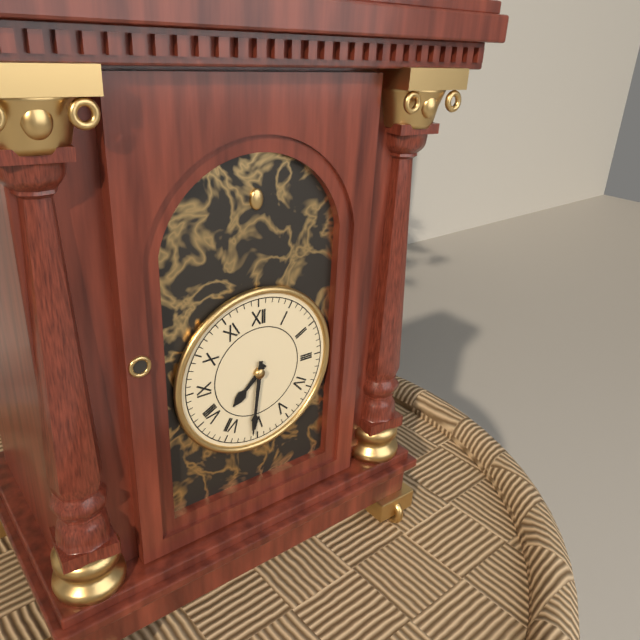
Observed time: 7:31
